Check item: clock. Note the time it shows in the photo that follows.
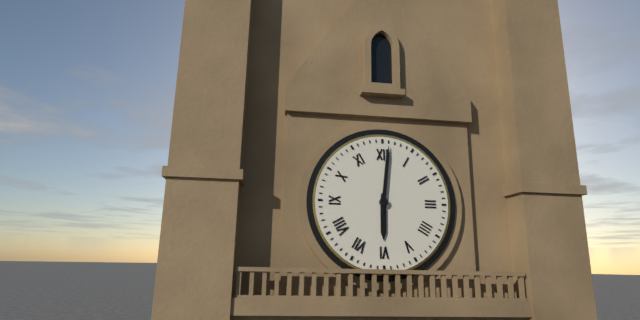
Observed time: 6:01
